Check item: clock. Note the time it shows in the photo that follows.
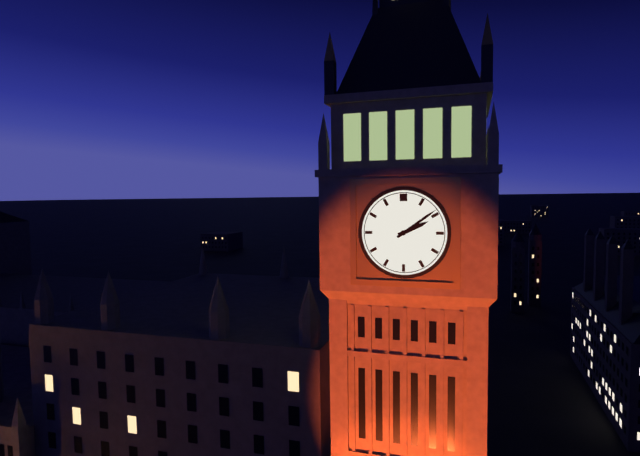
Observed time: 2:09
